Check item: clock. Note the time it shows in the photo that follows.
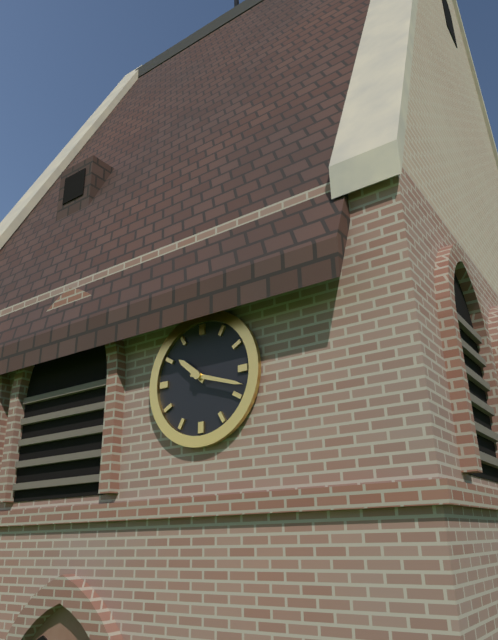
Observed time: 10:18
